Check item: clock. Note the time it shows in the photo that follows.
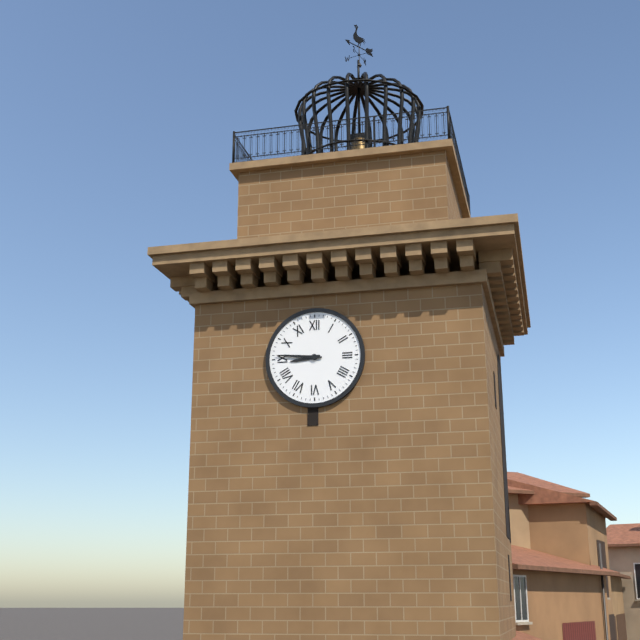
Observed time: 8:46
